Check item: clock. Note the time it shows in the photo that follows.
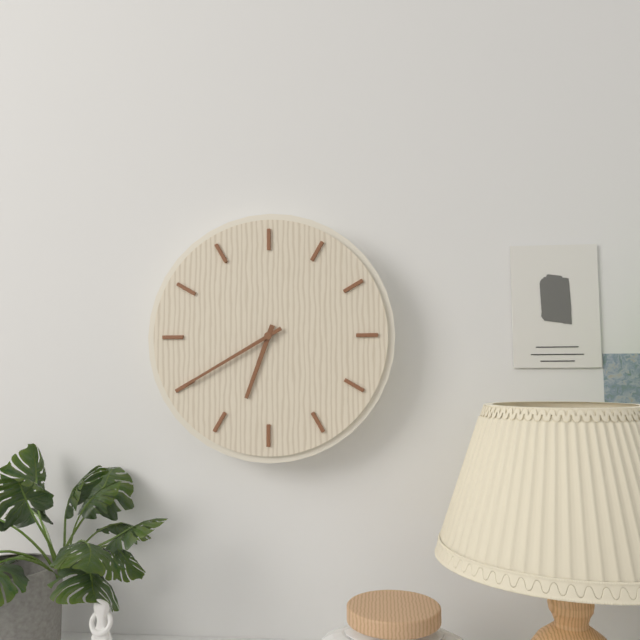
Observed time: 6:40
